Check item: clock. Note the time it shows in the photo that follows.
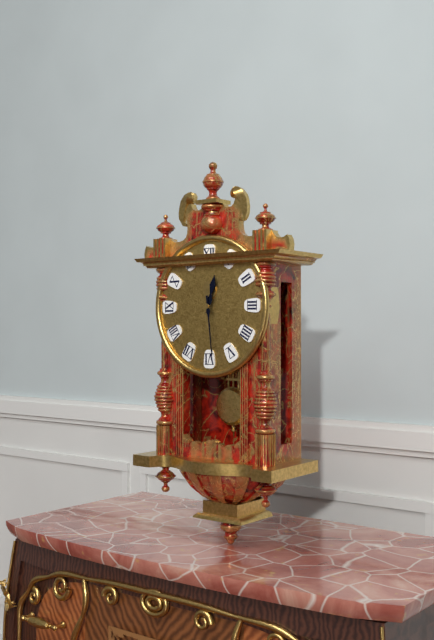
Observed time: 12:29
